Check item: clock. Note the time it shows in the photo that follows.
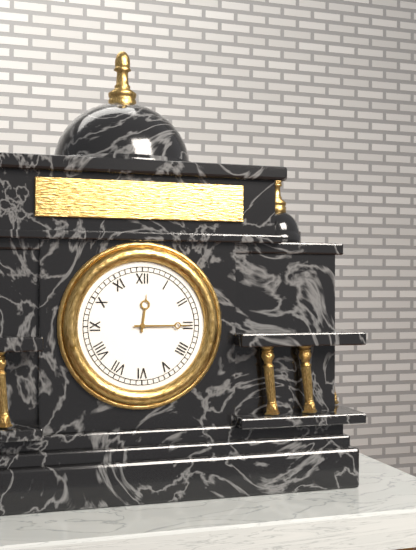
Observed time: 12:15
